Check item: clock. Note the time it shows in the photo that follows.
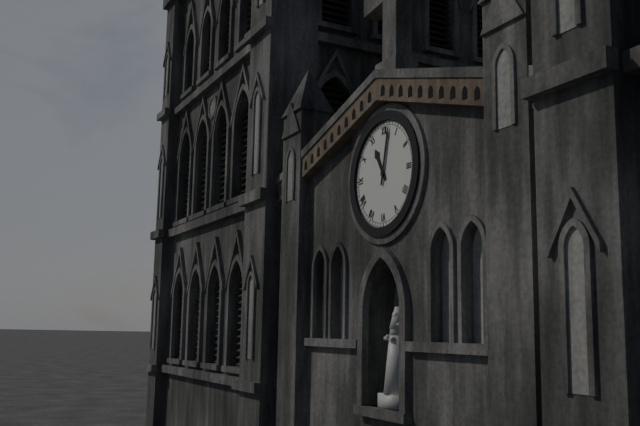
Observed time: 11:02
